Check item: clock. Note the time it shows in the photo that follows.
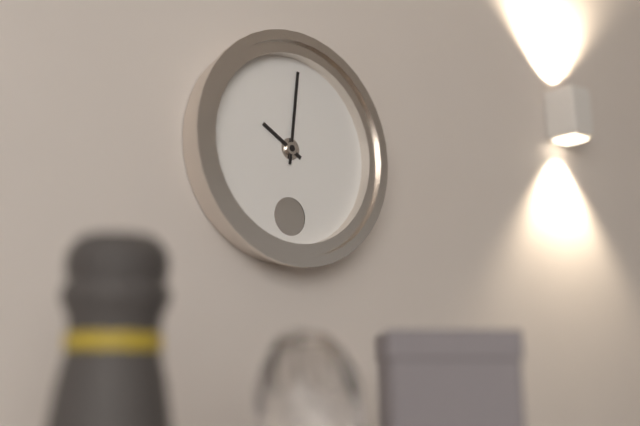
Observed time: 10:01
